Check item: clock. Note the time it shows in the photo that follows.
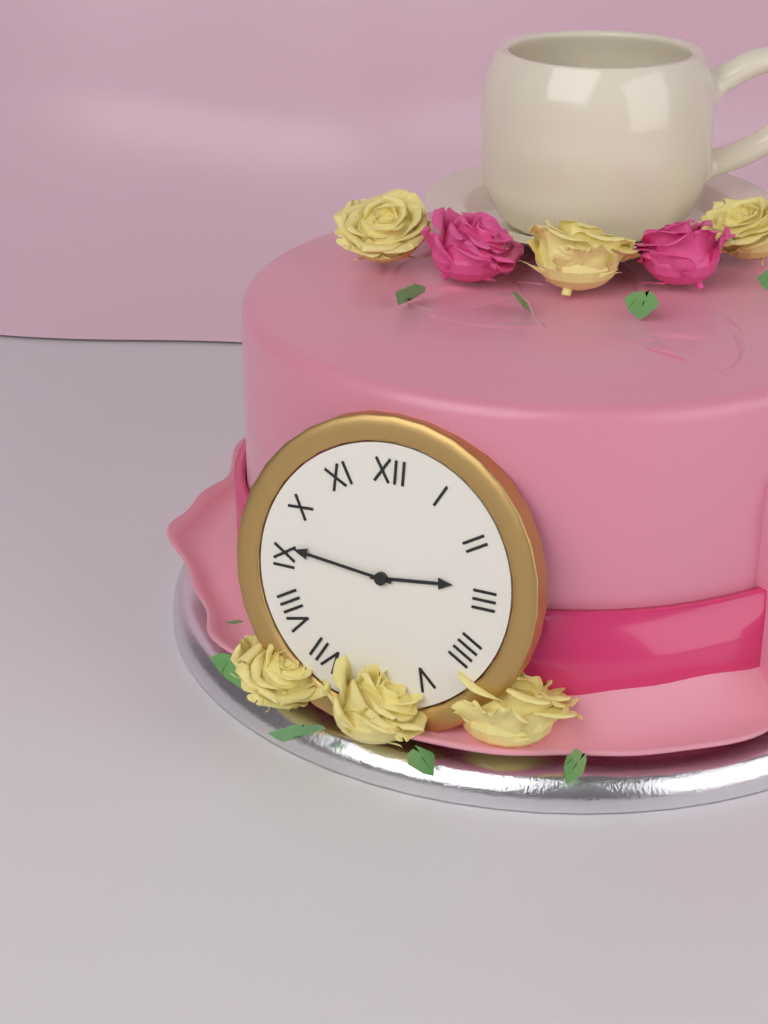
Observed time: 2:46
